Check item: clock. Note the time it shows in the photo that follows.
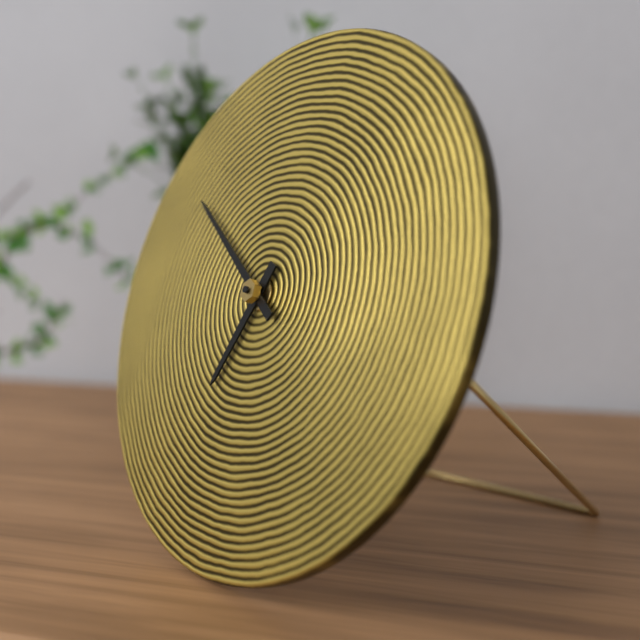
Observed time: 6:51
